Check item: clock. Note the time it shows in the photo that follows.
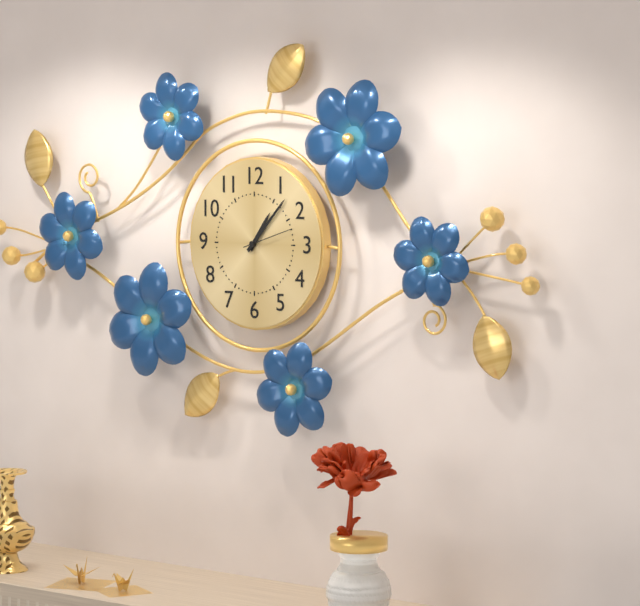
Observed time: 1:07:12
